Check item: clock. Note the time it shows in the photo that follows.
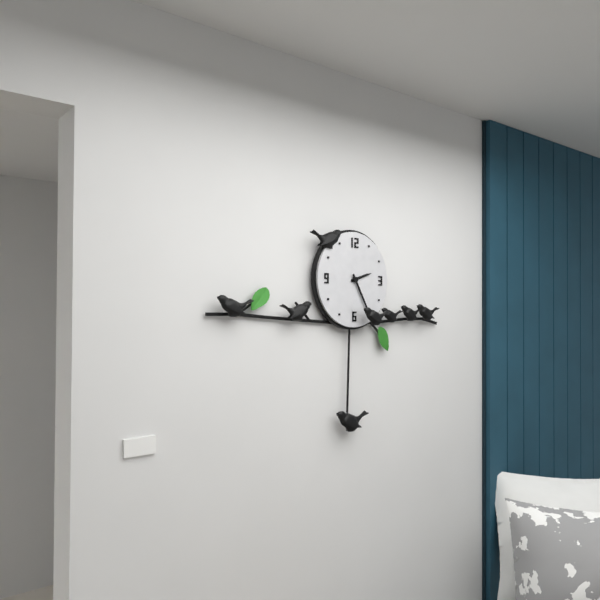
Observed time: 2:25
